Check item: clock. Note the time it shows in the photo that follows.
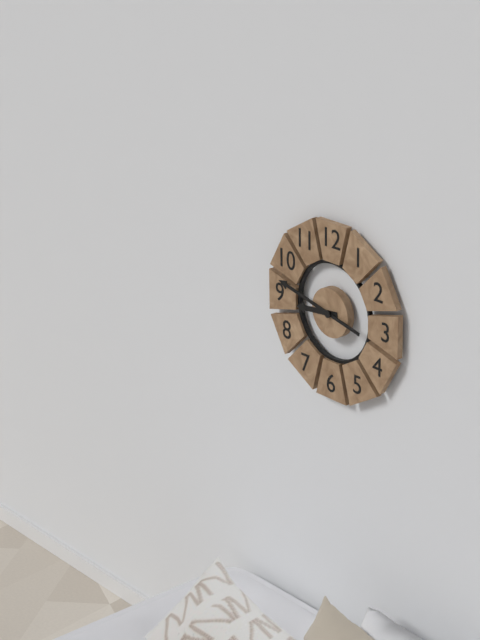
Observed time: 8:47
